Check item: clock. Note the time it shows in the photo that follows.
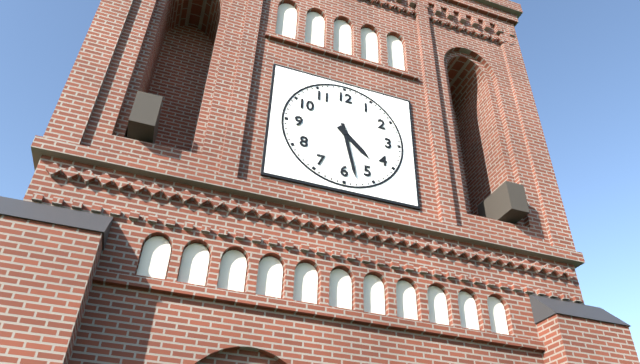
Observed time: 4:28
